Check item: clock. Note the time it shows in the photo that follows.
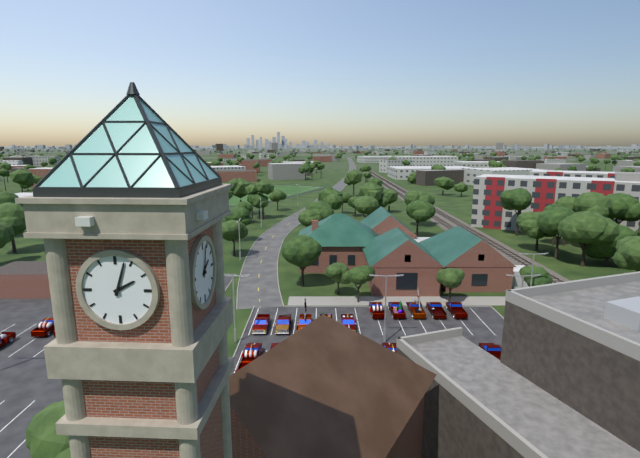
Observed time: 2:03
